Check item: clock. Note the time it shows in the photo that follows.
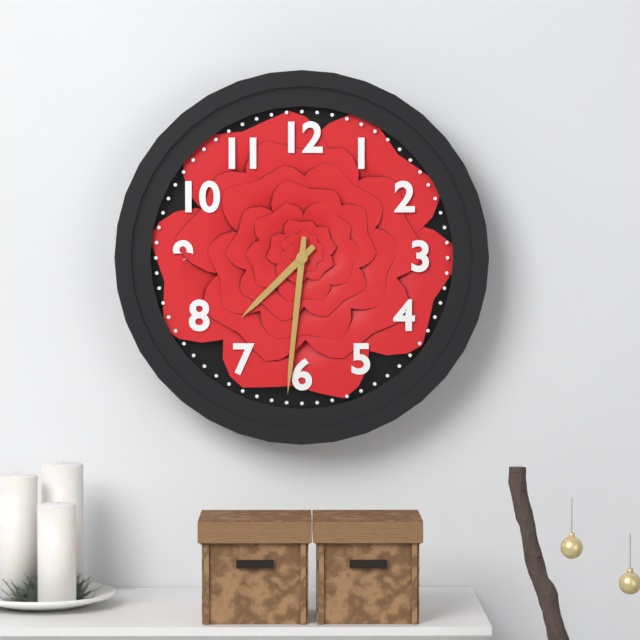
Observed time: 7:31
